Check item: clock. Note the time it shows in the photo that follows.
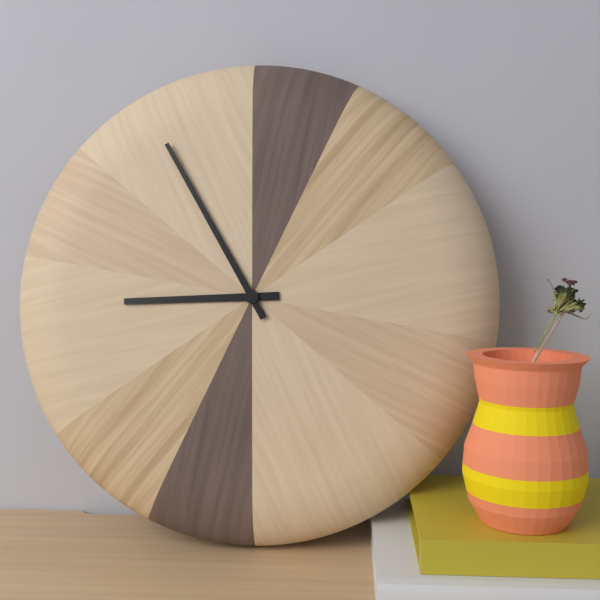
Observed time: 8:55
